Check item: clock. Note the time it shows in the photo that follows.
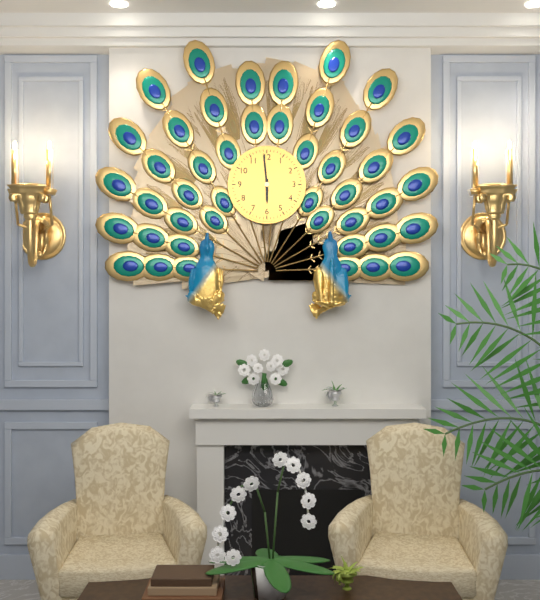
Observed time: 5:59
